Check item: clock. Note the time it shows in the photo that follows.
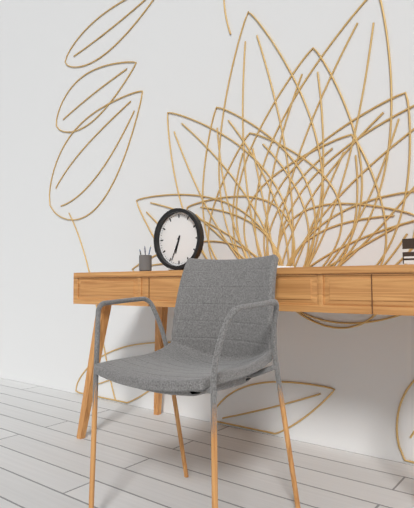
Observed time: 6:34
